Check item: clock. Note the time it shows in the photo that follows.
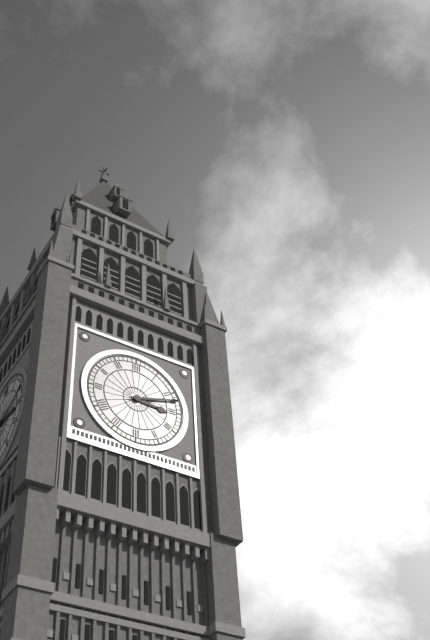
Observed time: 3:12
